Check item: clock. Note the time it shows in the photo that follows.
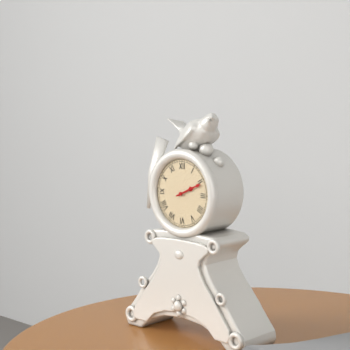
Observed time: 2:11
